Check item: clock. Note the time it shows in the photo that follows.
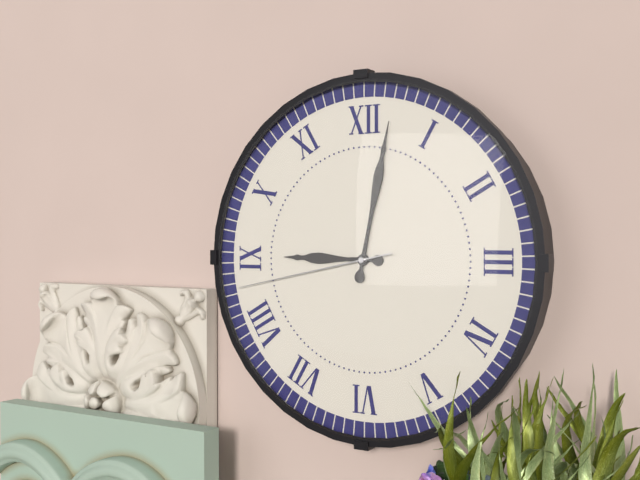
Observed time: 9:02:43
